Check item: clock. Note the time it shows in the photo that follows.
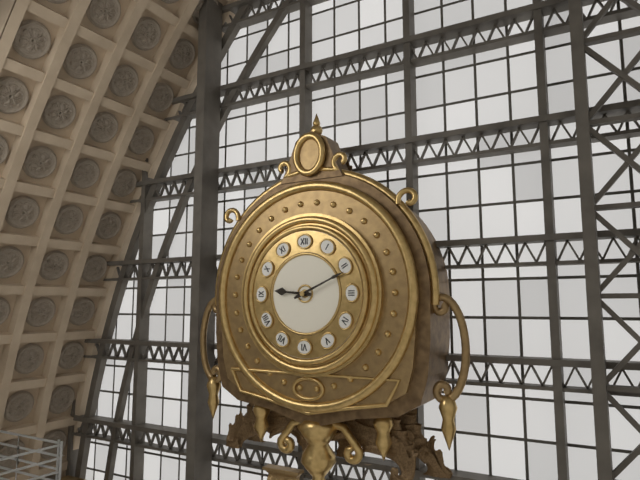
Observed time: 9:11
